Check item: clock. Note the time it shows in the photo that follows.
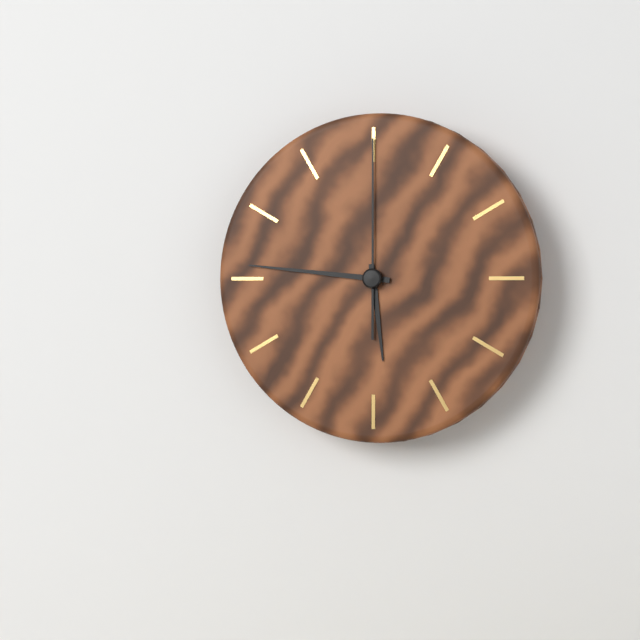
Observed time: 5:46:00
